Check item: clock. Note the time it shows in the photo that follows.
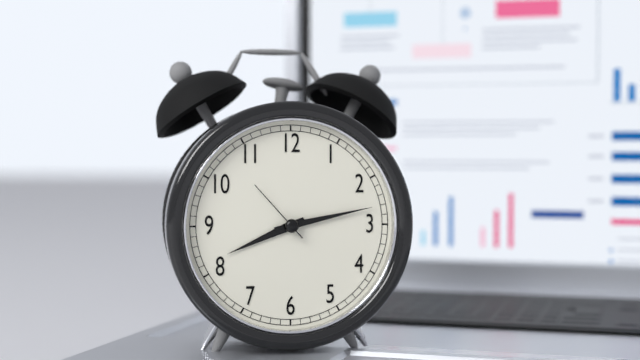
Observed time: 8:13:53
